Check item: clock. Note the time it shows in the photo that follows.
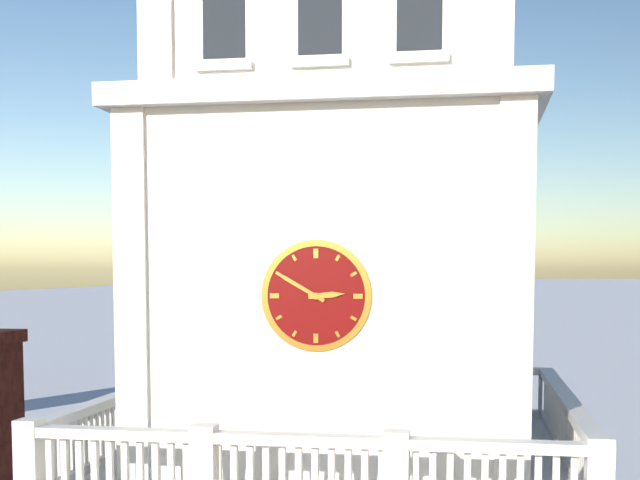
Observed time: 2:50
